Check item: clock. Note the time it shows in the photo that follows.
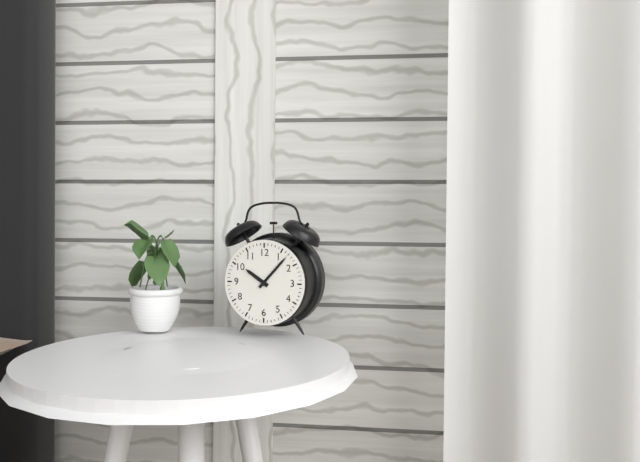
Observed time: 10:07
